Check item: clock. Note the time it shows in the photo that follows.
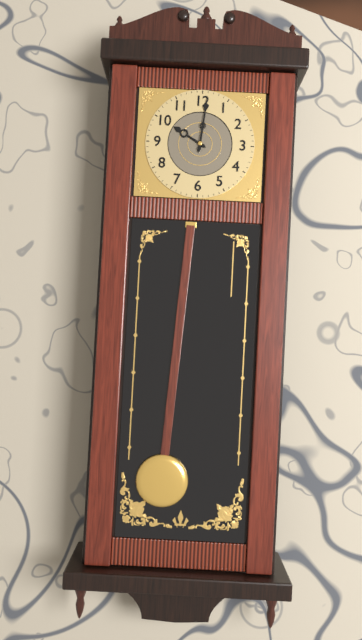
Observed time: 10:01
